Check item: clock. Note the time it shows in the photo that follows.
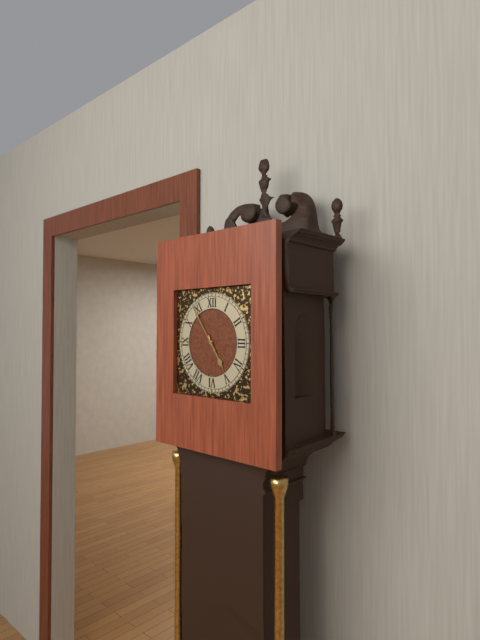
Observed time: 4:54
